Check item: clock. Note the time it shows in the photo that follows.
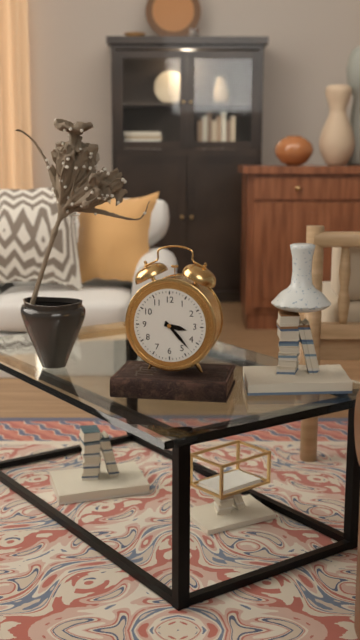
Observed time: 3:23
